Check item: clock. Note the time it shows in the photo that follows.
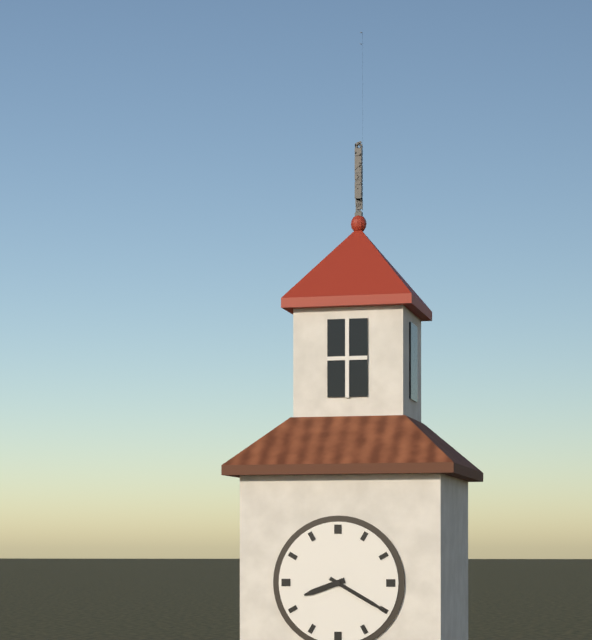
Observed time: 8:20
